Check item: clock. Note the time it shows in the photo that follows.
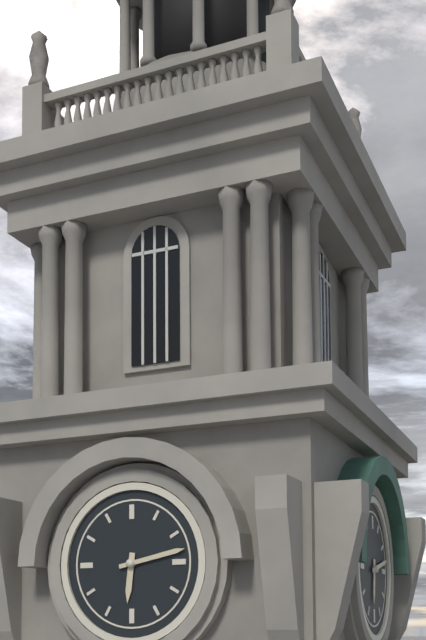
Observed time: 6:13
